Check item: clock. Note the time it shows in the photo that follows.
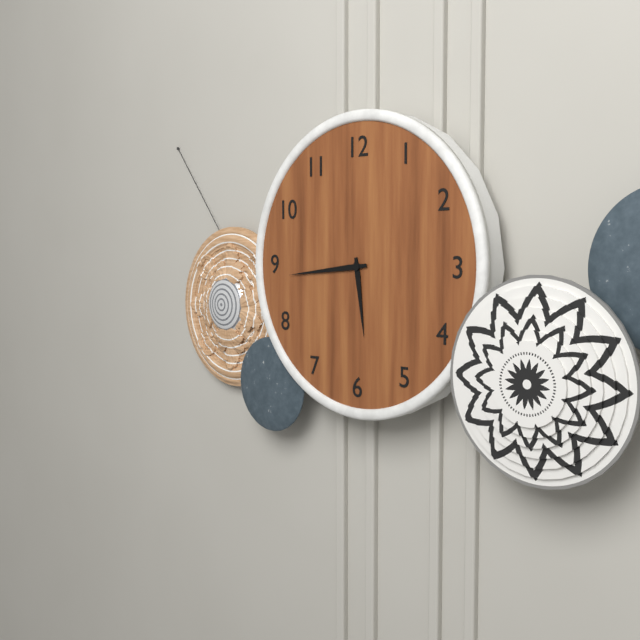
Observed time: 5:44
